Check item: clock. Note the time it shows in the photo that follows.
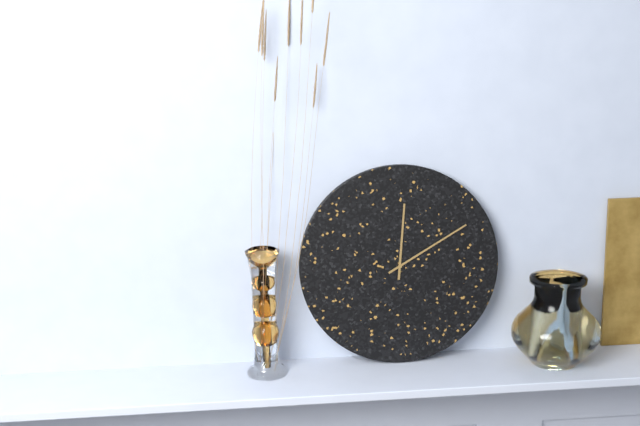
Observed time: 12:10
